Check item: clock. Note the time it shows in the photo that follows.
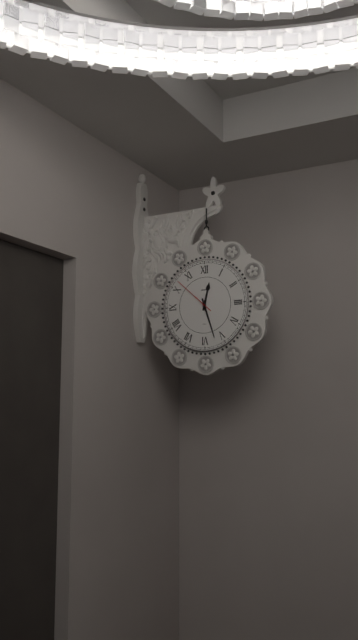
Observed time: 12:27
